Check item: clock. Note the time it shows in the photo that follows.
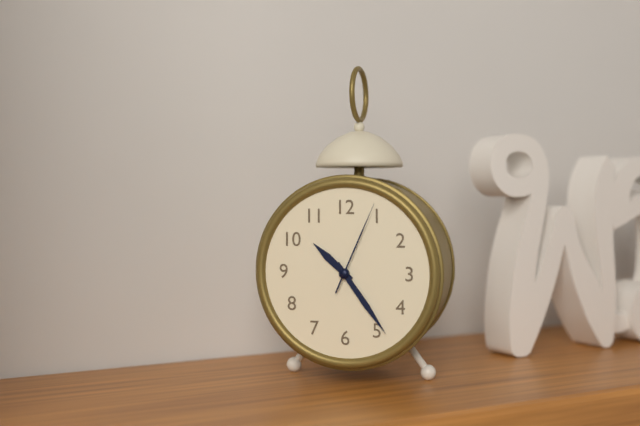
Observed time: 10:24:04
